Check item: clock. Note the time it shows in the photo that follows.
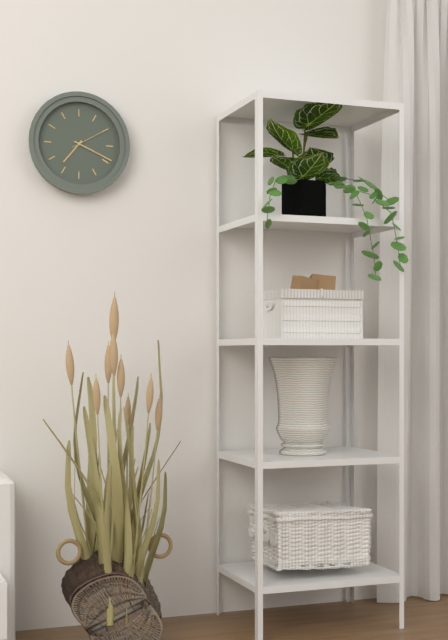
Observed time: 7:19
